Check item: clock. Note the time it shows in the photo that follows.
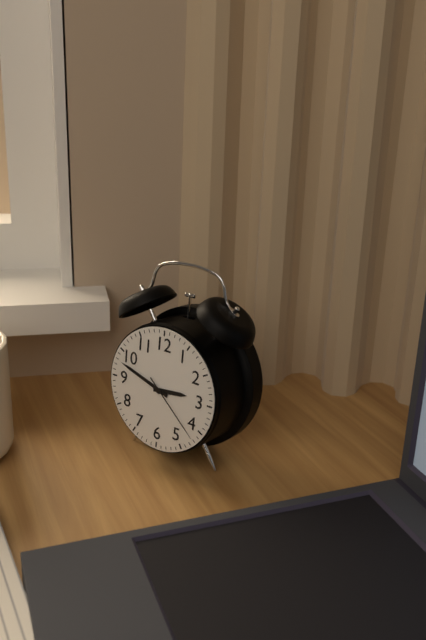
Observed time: 2:48:22
